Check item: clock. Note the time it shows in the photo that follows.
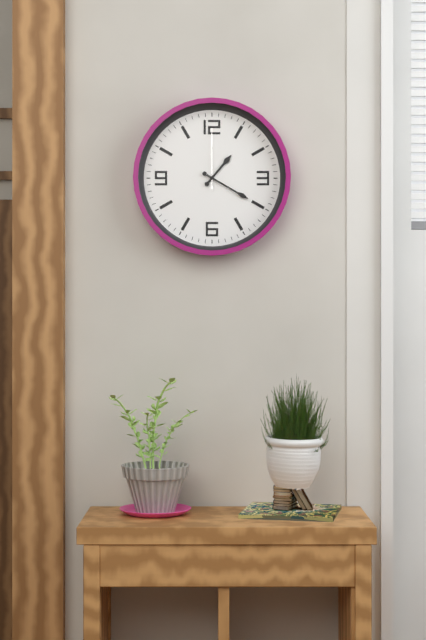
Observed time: 1:20:00
